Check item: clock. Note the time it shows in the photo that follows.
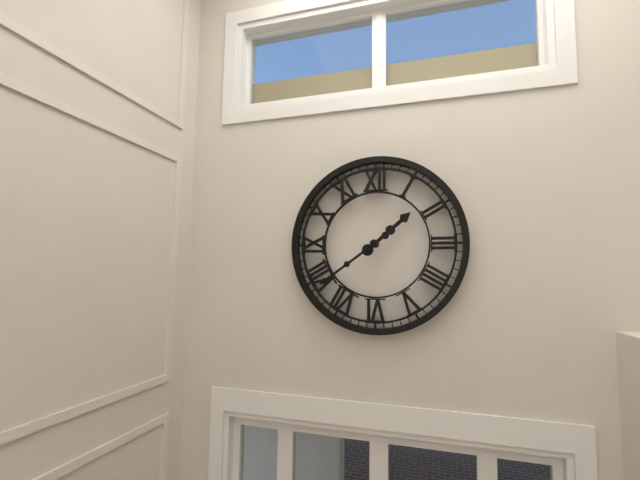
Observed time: 1:39
